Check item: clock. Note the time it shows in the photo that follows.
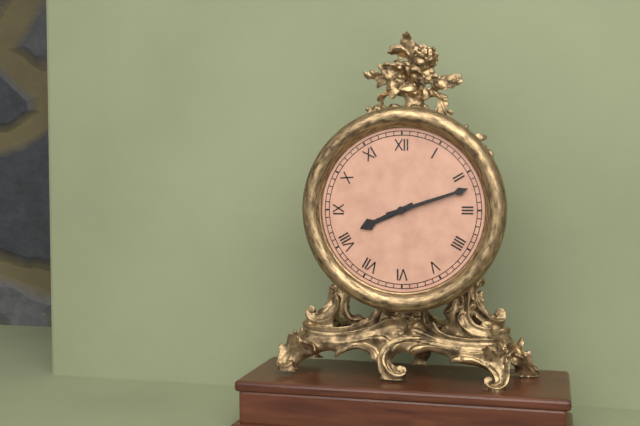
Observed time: 8:12
